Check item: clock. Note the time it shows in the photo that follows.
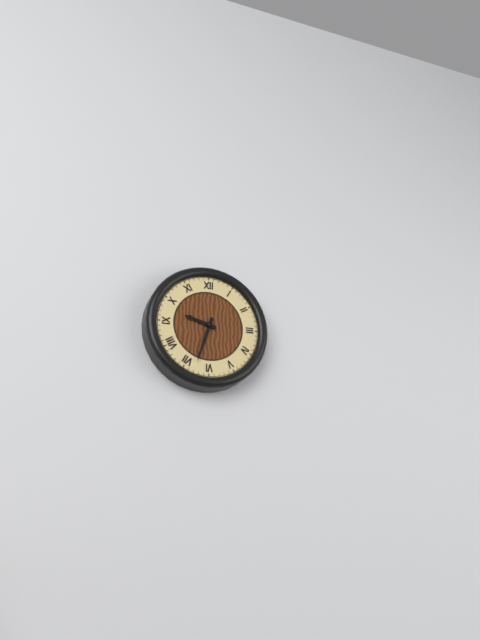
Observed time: 9:33
